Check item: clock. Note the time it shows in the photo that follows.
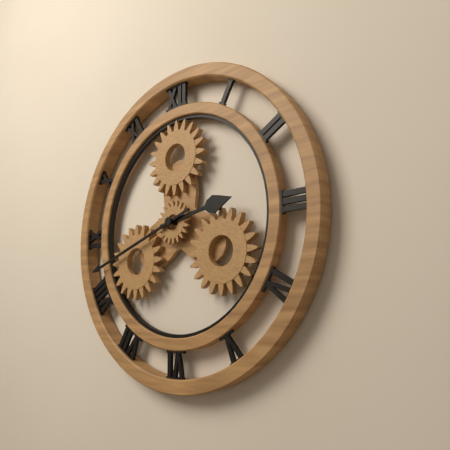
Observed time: 2:42
